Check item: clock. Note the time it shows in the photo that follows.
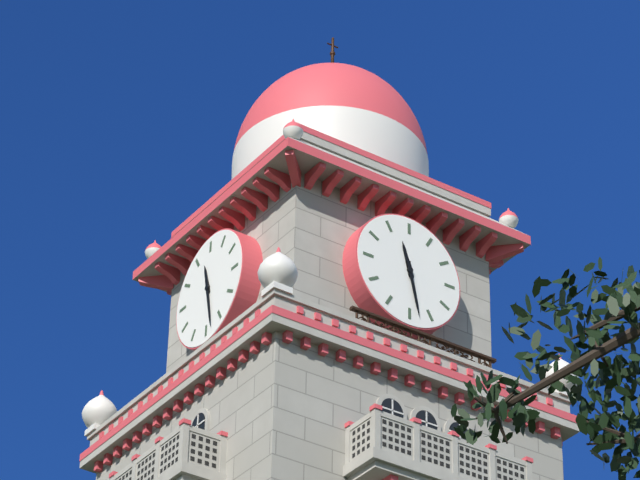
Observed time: 11:28
